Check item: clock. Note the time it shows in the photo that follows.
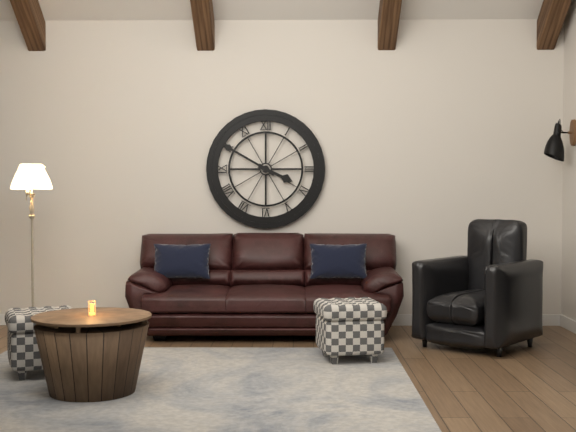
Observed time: 3:50
